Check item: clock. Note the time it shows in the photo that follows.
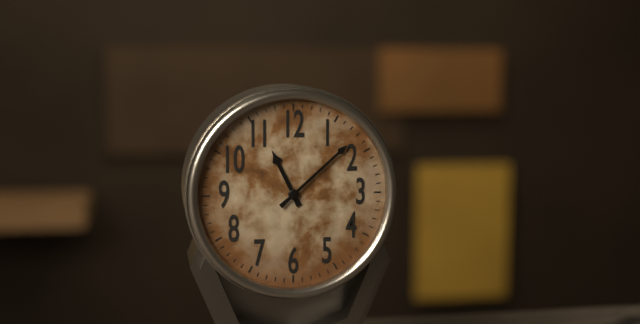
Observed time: 11:08
